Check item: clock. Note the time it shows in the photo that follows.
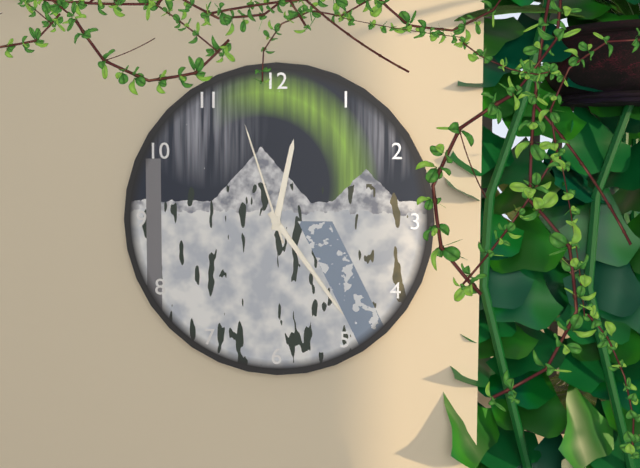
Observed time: 12:24:57
